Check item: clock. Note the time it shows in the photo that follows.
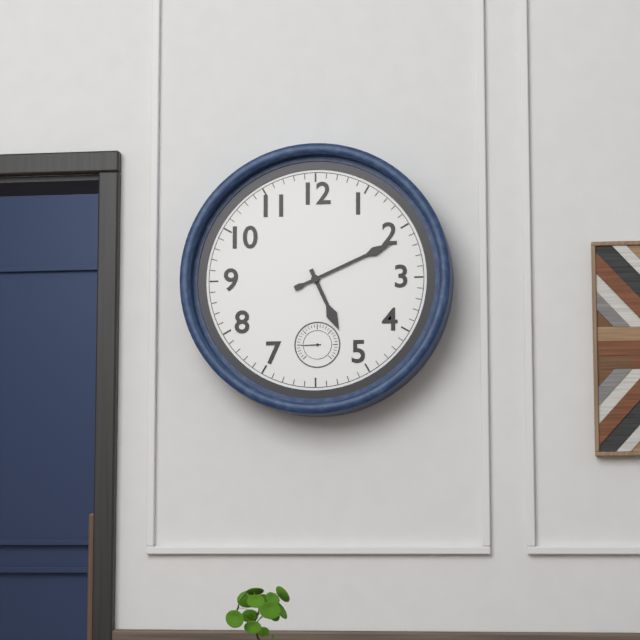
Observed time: 5:11
